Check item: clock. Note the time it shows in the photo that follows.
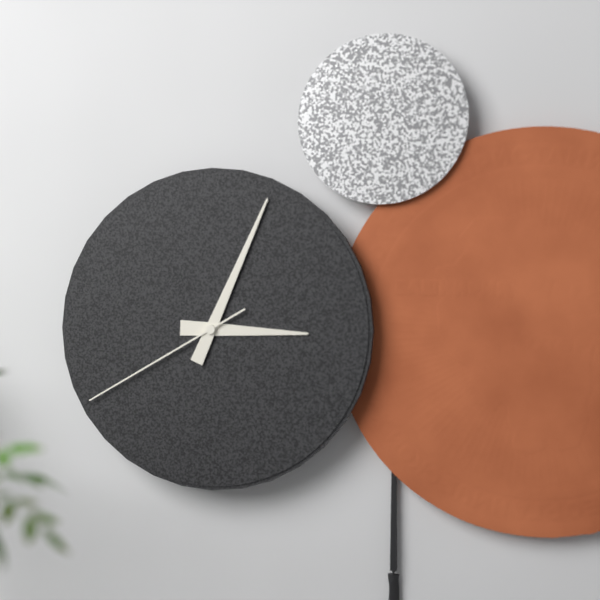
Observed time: 3:04:40
